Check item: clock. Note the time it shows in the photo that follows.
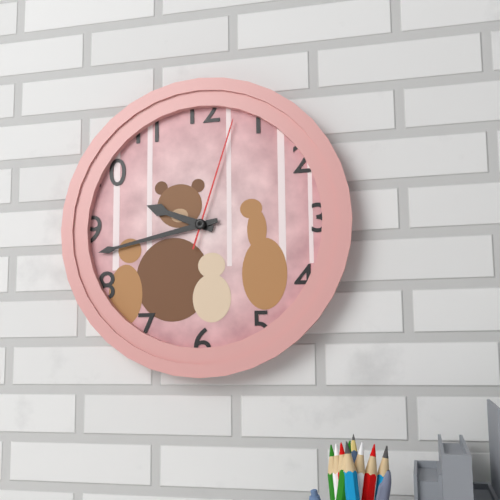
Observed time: 9:43:03
